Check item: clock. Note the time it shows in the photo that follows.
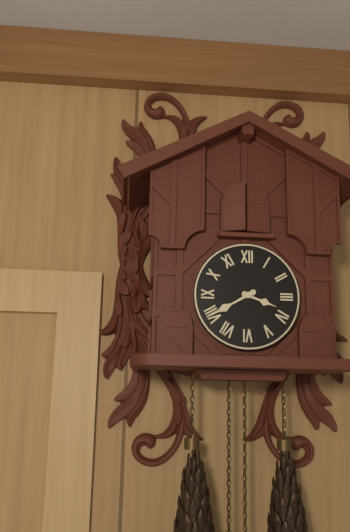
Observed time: 3:40
